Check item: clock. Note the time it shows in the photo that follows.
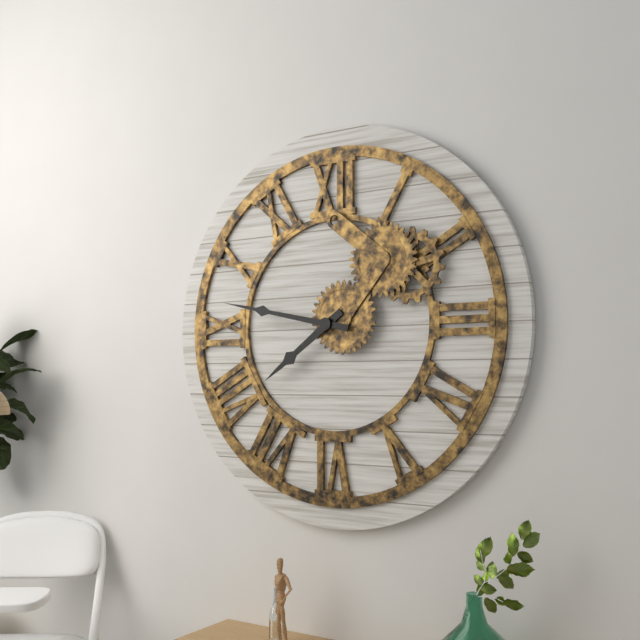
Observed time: 7:47
